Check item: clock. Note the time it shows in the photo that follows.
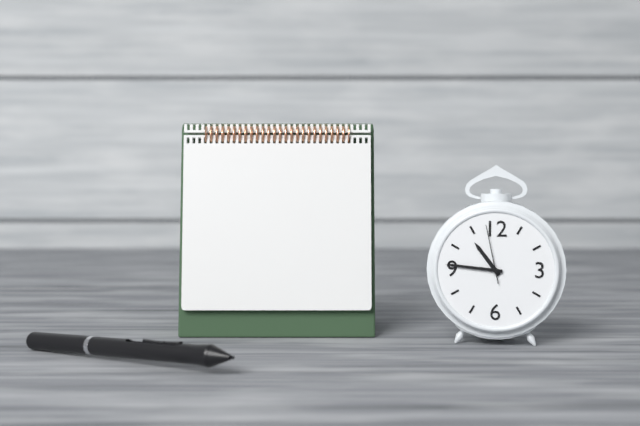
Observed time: 10:46:58
